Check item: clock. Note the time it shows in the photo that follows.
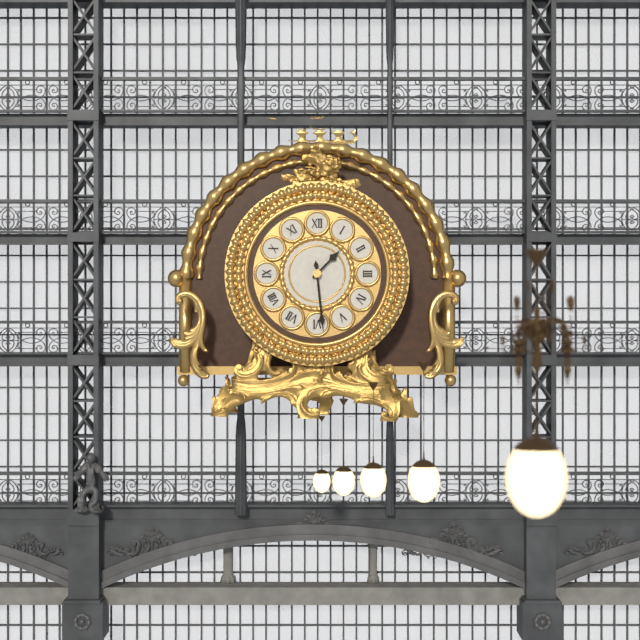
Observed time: 1:29
